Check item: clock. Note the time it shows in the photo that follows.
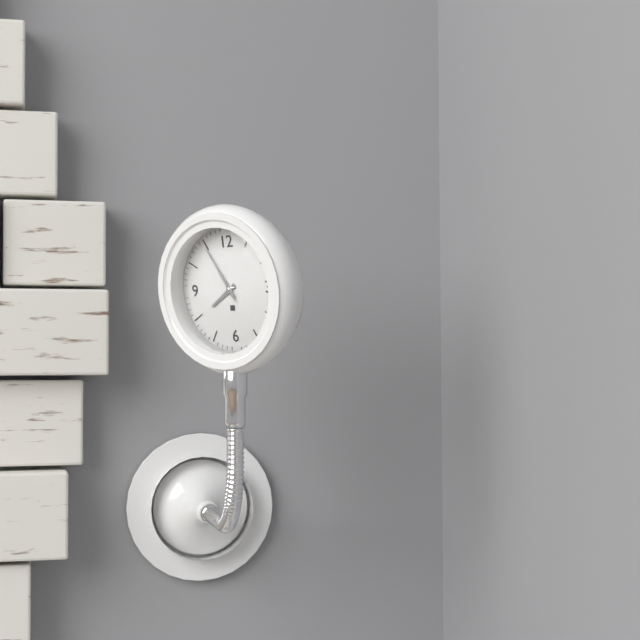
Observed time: 7:55:55
